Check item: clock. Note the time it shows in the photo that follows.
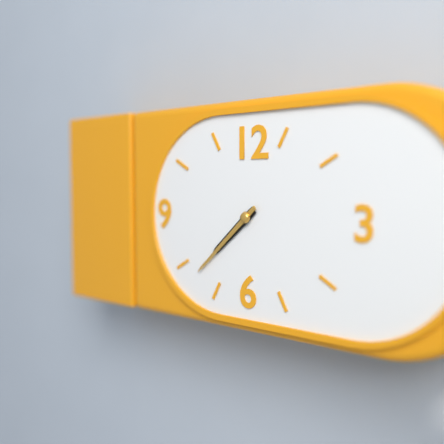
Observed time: 7:38
